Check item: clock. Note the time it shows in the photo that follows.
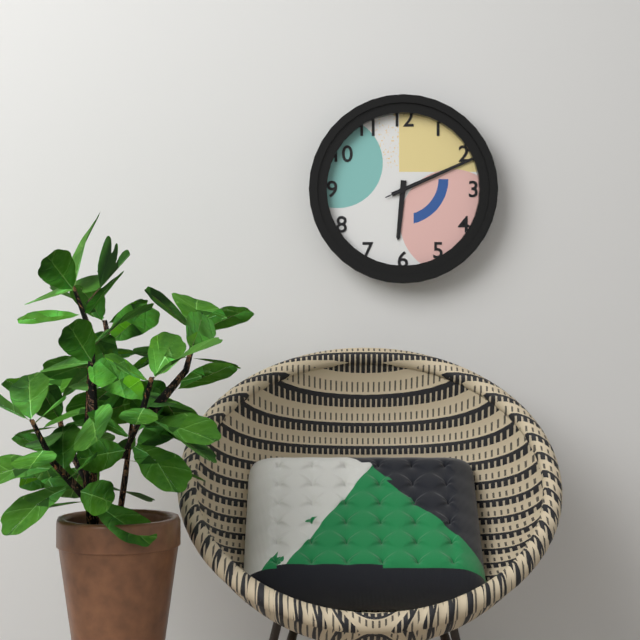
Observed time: 6:11:11
